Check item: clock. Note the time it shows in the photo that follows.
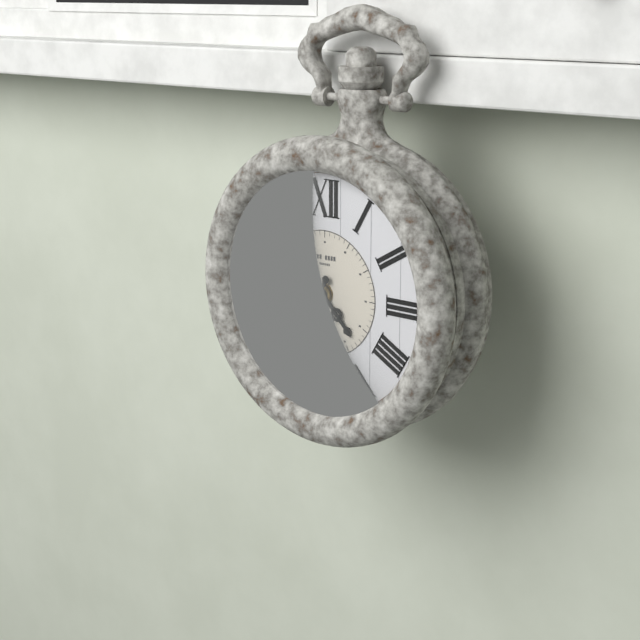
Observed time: 4:33
